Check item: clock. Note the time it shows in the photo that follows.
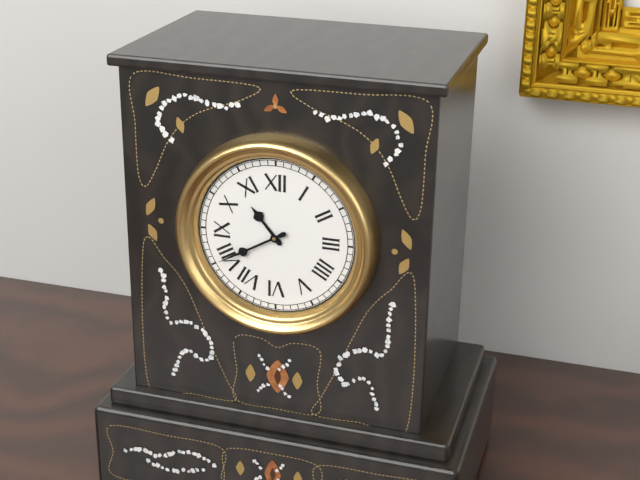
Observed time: 10:40
